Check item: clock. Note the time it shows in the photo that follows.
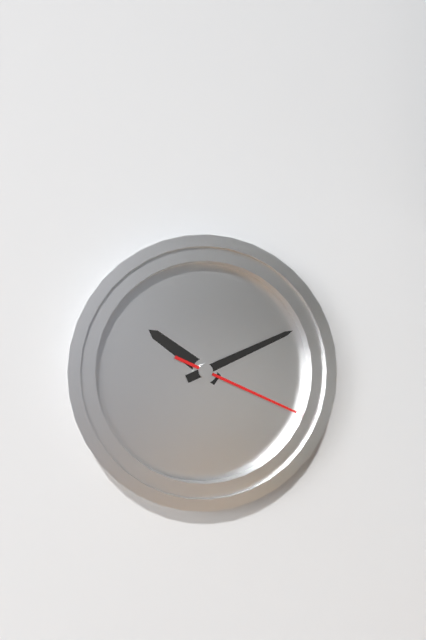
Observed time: 10:11:19
